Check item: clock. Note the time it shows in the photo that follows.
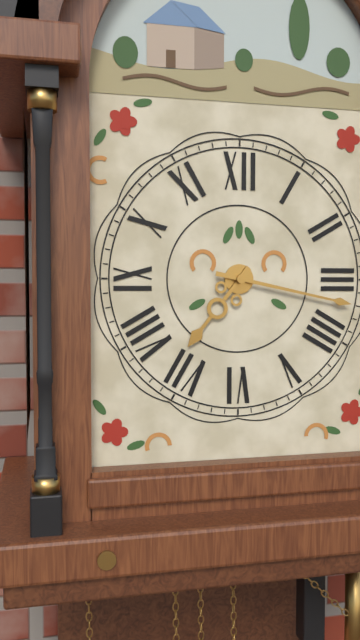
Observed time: 7:17
